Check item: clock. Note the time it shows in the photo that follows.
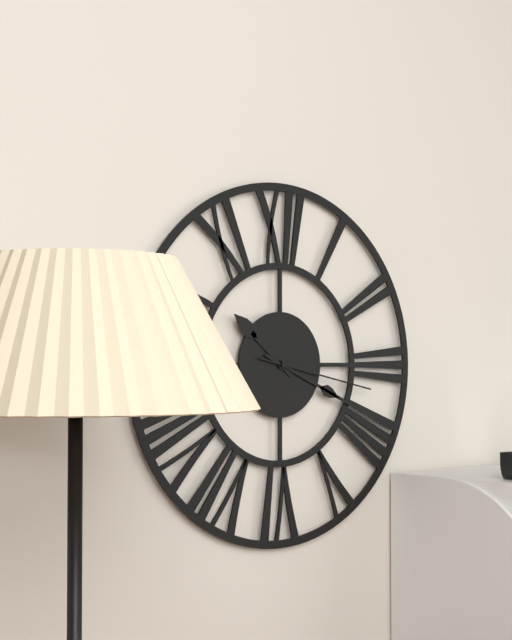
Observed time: 10:19:17
